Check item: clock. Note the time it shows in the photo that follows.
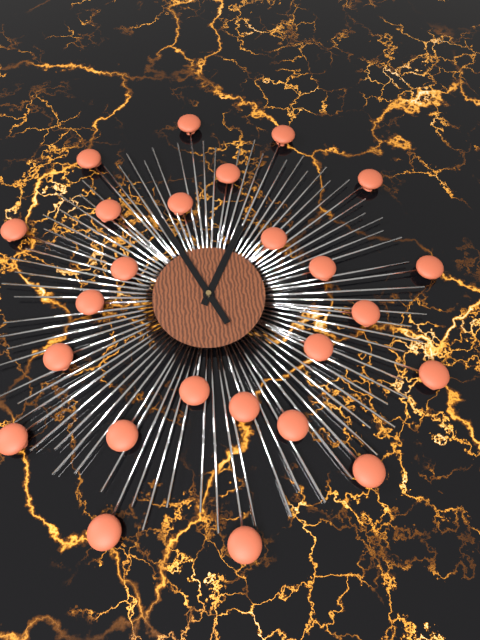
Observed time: 12:56
